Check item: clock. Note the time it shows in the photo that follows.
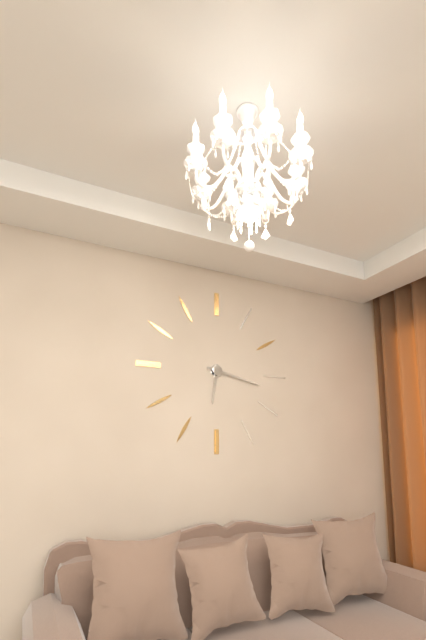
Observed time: 6:17
